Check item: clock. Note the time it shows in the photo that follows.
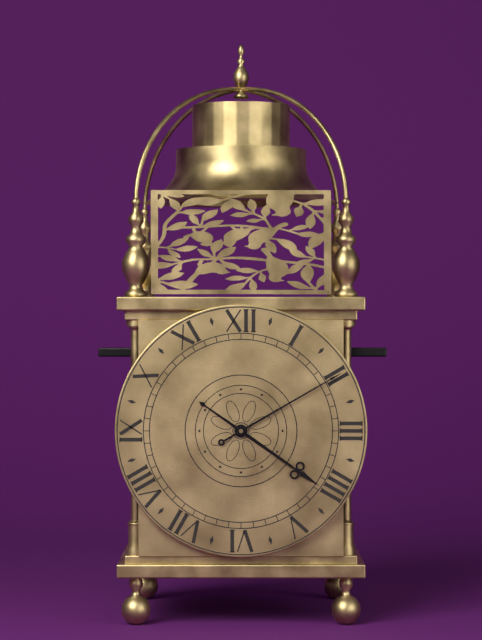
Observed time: 4:10
